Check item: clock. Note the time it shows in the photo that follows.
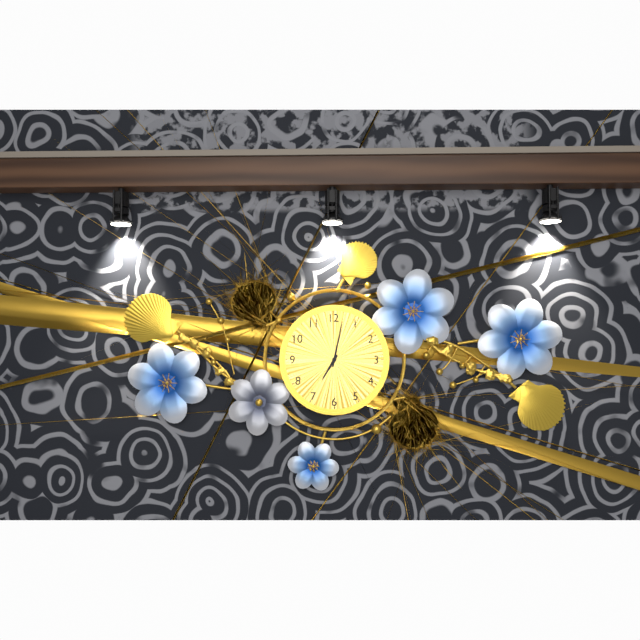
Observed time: 7:02
